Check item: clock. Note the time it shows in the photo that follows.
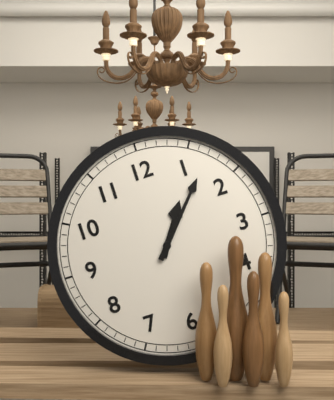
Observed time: 1:07
